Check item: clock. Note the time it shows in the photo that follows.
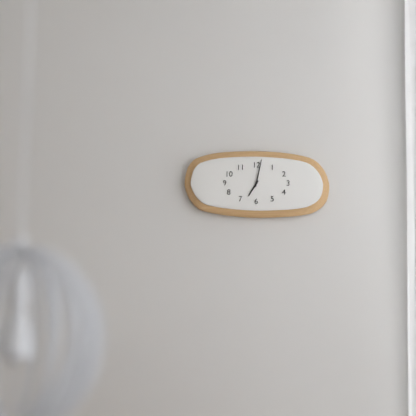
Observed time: 7:02
